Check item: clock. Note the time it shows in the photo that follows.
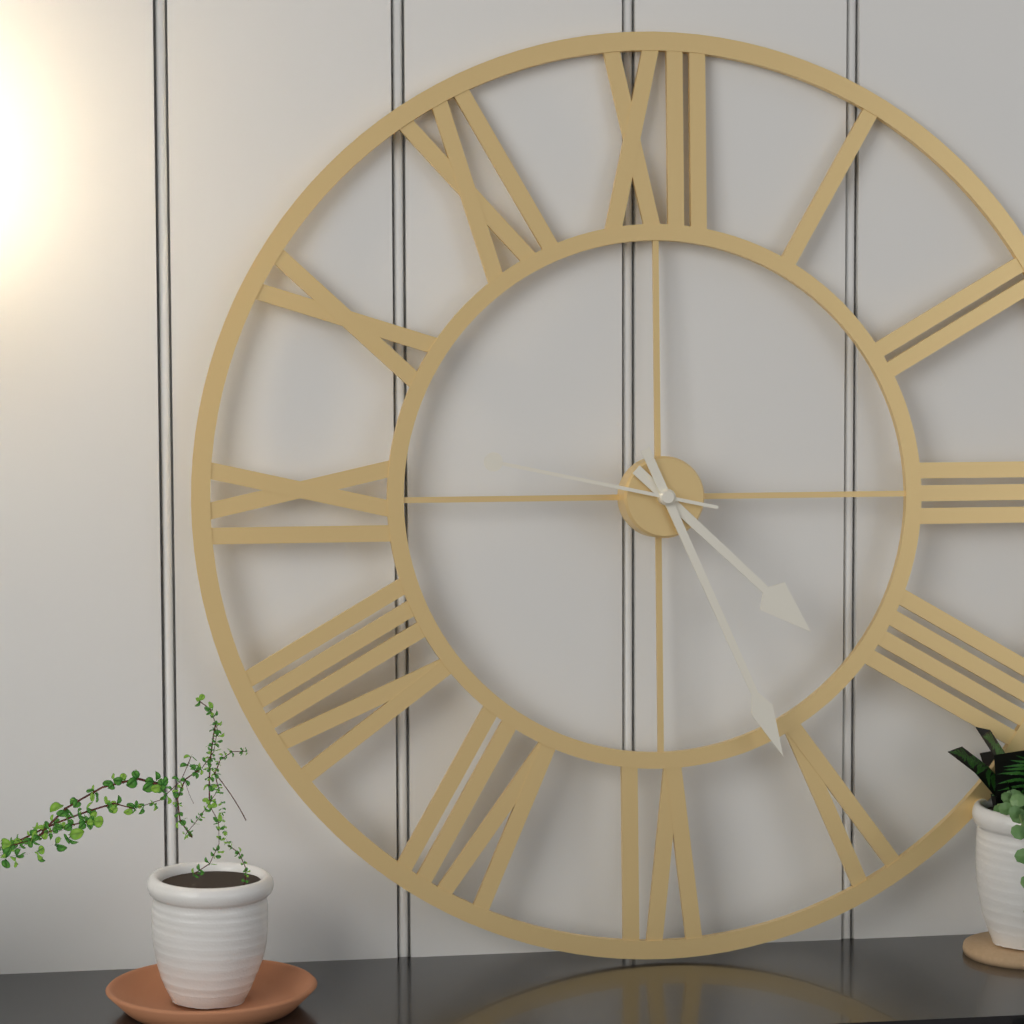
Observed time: 4:26:47
